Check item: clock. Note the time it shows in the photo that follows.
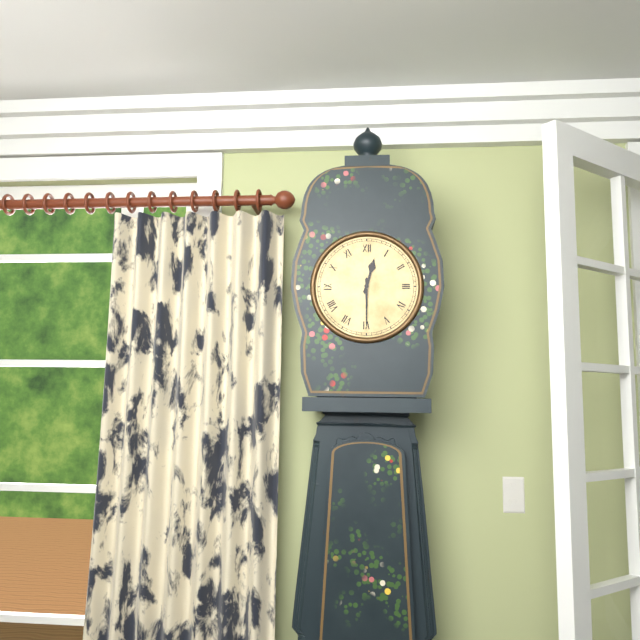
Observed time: 12:30
